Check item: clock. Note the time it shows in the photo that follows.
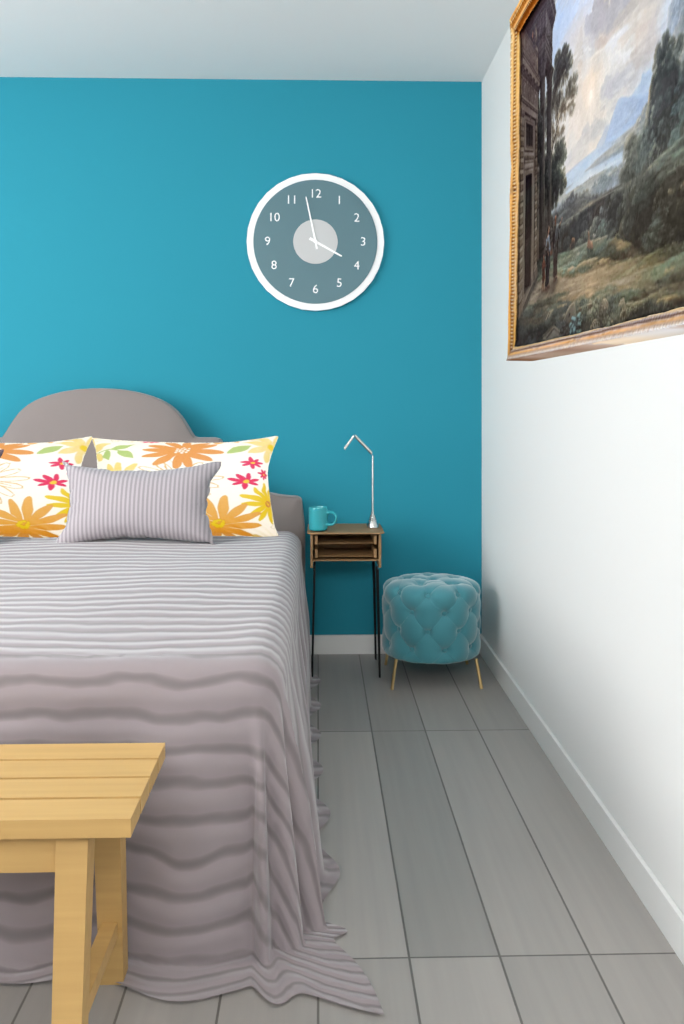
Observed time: 3:58
